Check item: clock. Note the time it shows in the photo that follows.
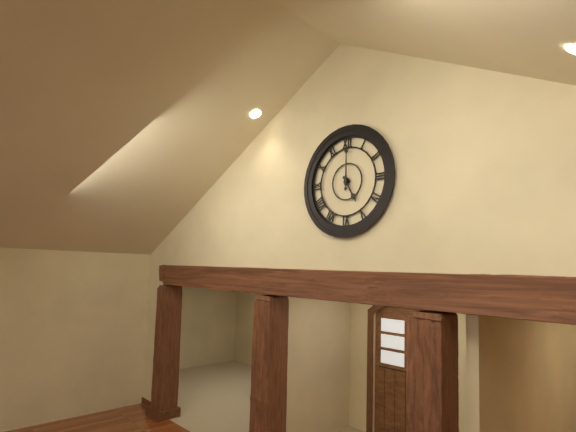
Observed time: 5:00
